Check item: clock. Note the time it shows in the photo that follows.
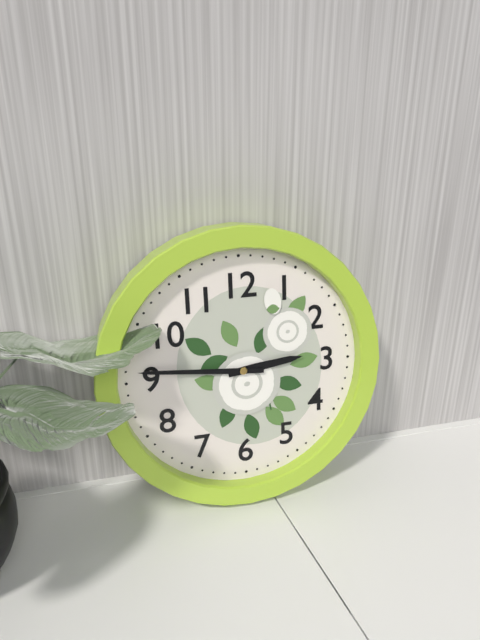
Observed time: 2:46
